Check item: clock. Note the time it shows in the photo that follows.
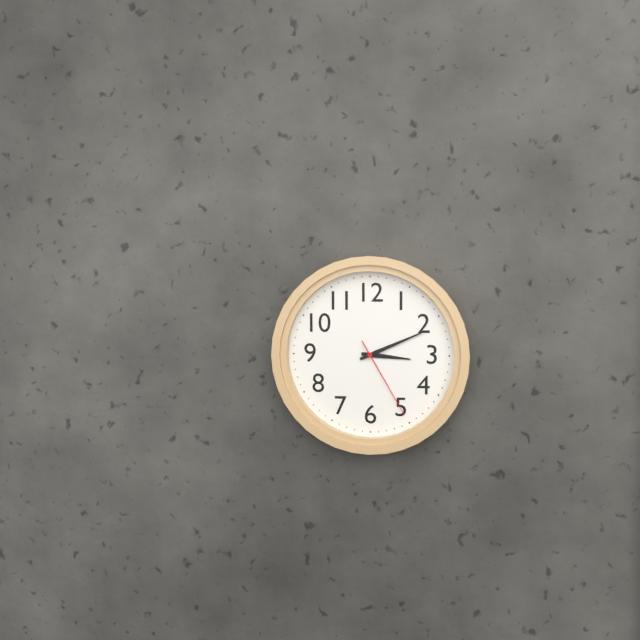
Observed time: 3:11:25
